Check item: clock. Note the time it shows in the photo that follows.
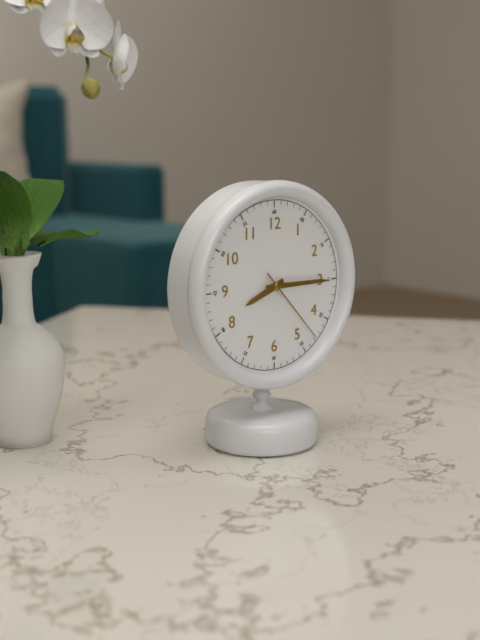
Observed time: 8:15:23
